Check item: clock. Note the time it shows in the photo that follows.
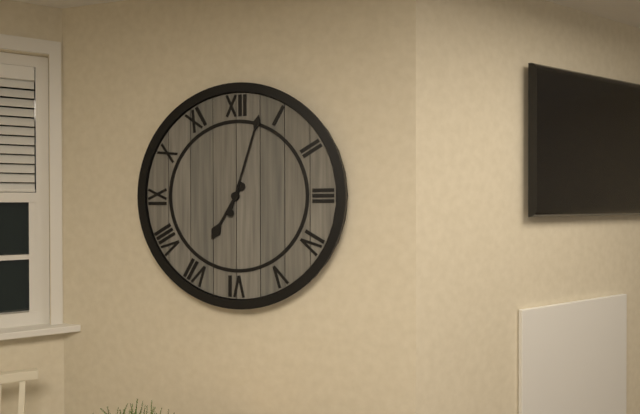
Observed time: 7:03
